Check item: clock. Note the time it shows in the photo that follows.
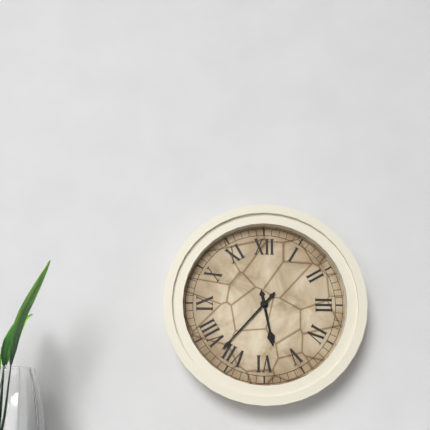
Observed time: 5:37
